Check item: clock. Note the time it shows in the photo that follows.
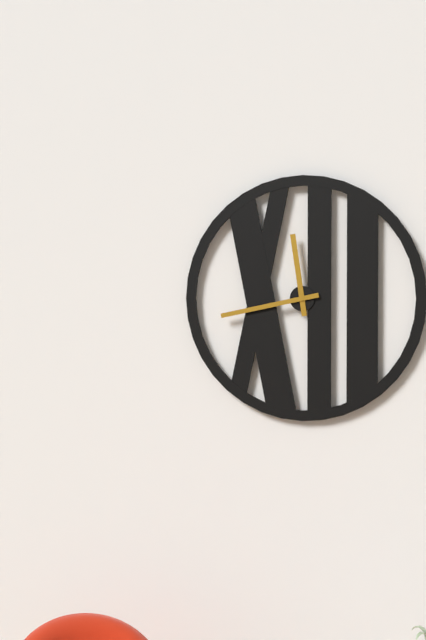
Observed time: 11:43
